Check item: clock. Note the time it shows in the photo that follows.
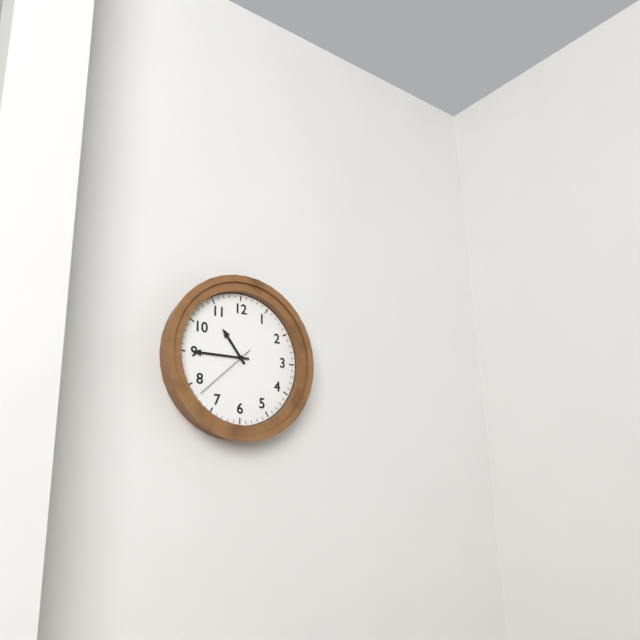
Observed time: 10:45:38
